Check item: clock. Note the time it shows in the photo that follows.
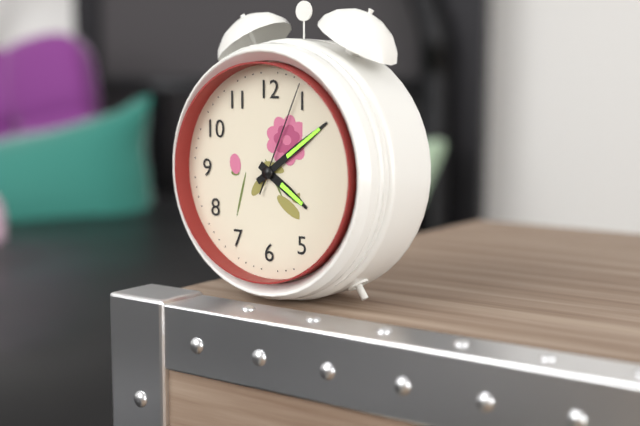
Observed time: 4:09:04
